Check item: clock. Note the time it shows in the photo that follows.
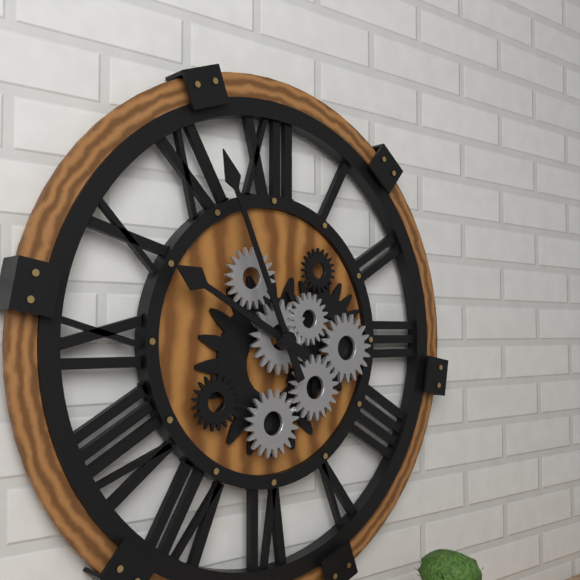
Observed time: 9:56
